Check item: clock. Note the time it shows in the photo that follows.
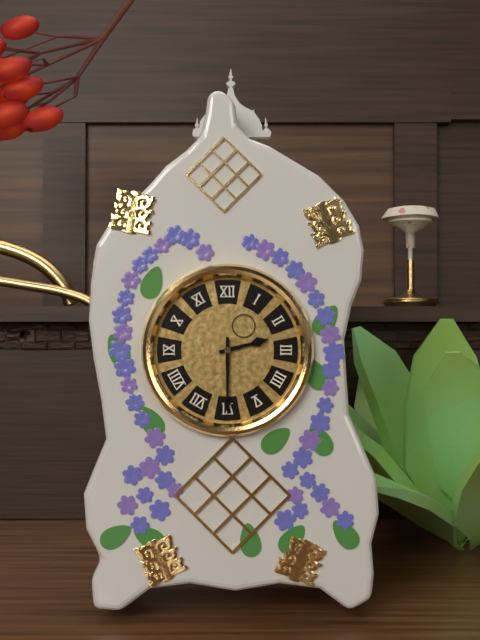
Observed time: 2:30
